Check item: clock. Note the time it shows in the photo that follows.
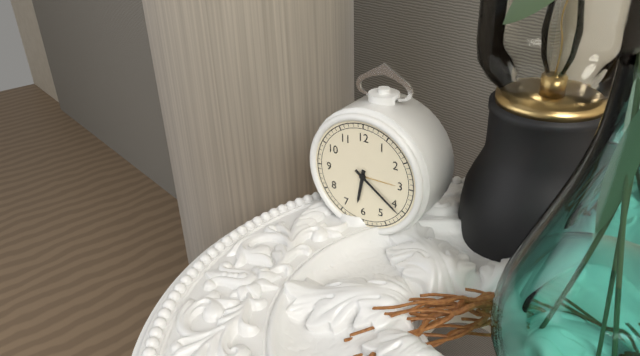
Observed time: 6:21
